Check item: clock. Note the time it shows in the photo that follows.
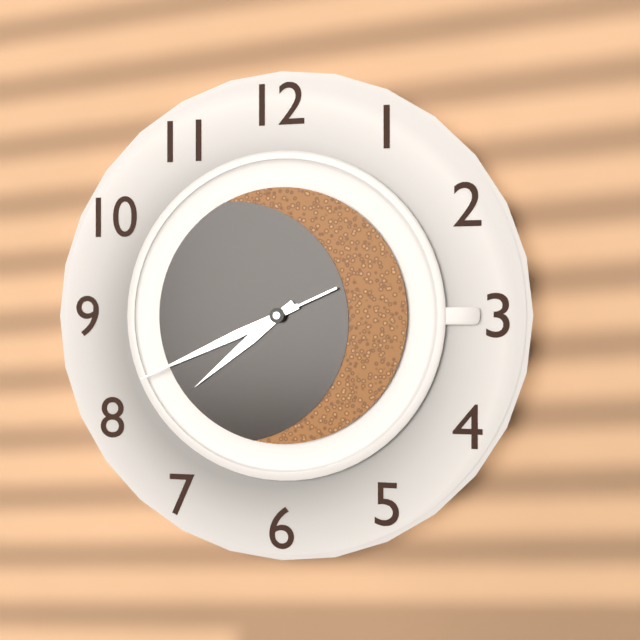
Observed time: 7:41:41
